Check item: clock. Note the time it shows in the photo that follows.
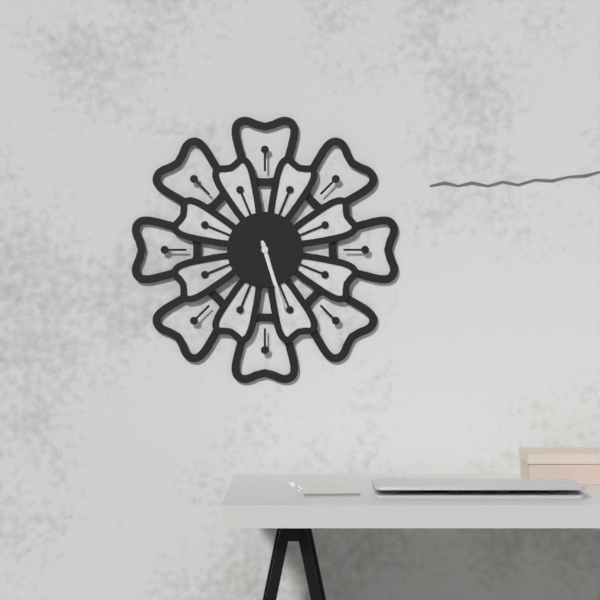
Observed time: 5:27
